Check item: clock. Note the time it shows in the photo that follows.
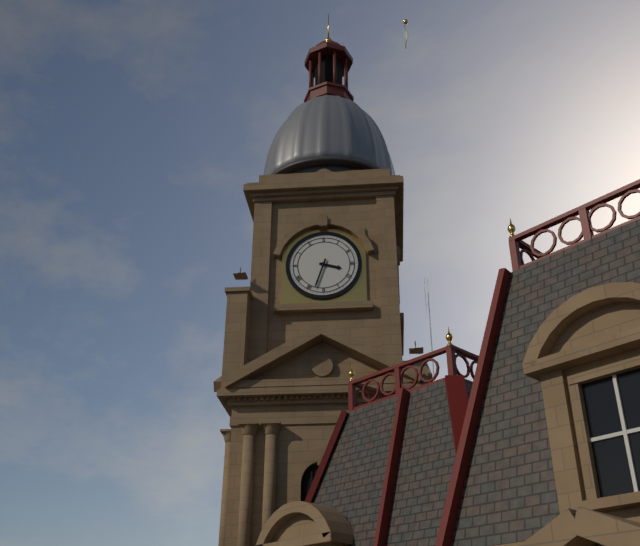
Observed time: 3:33
